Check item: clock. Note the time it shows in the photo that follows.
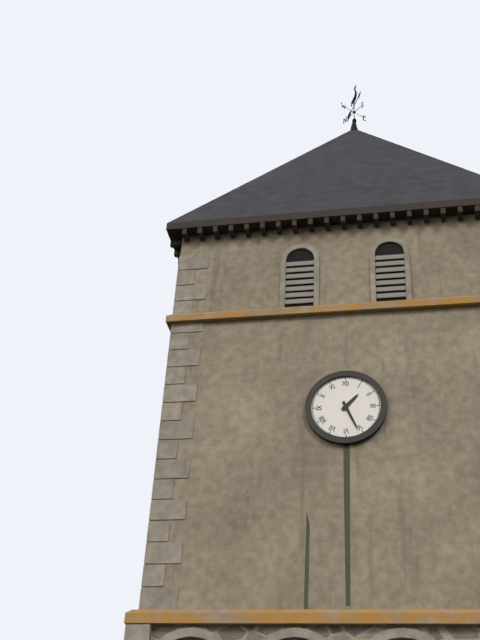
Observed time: 1:26
